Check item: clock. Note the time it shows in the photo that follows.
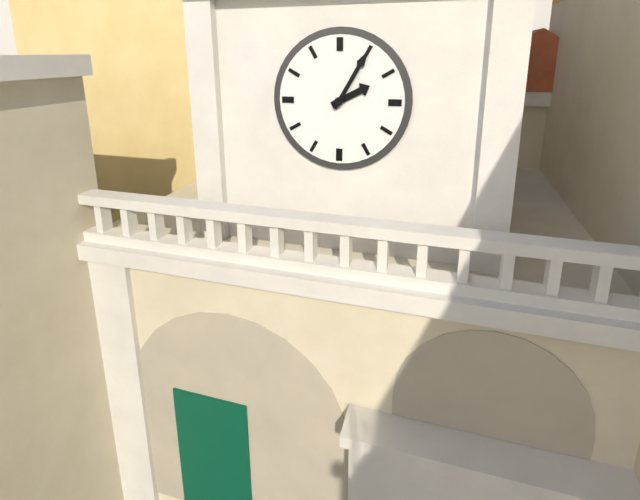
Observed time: 2:05
